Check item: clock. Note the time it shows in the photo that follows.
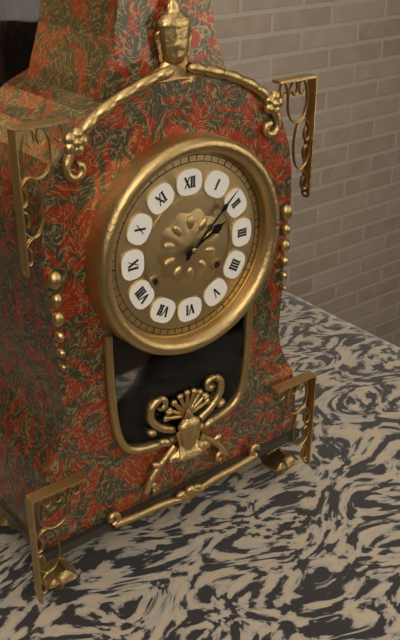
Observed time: 2:08
